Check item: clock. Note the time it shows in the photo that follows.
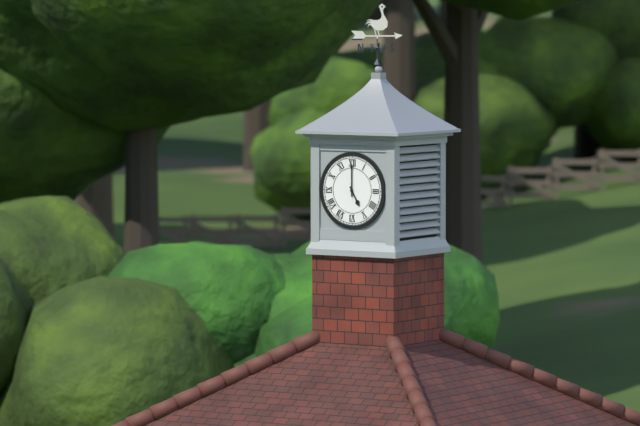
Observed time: 5:00
